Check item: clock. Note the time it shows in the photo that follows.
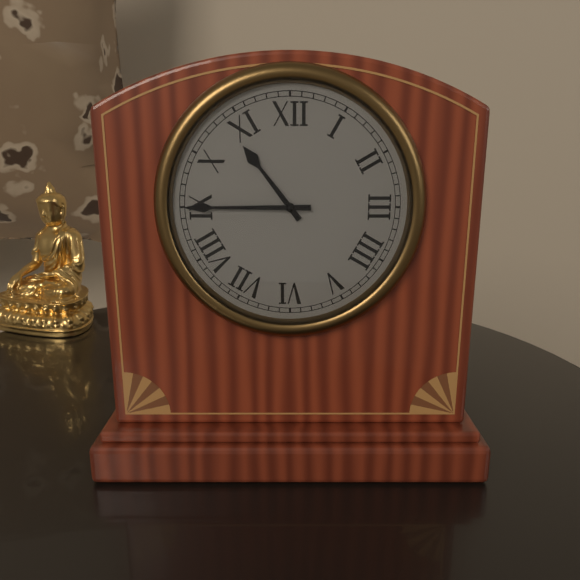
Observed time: 10:45
